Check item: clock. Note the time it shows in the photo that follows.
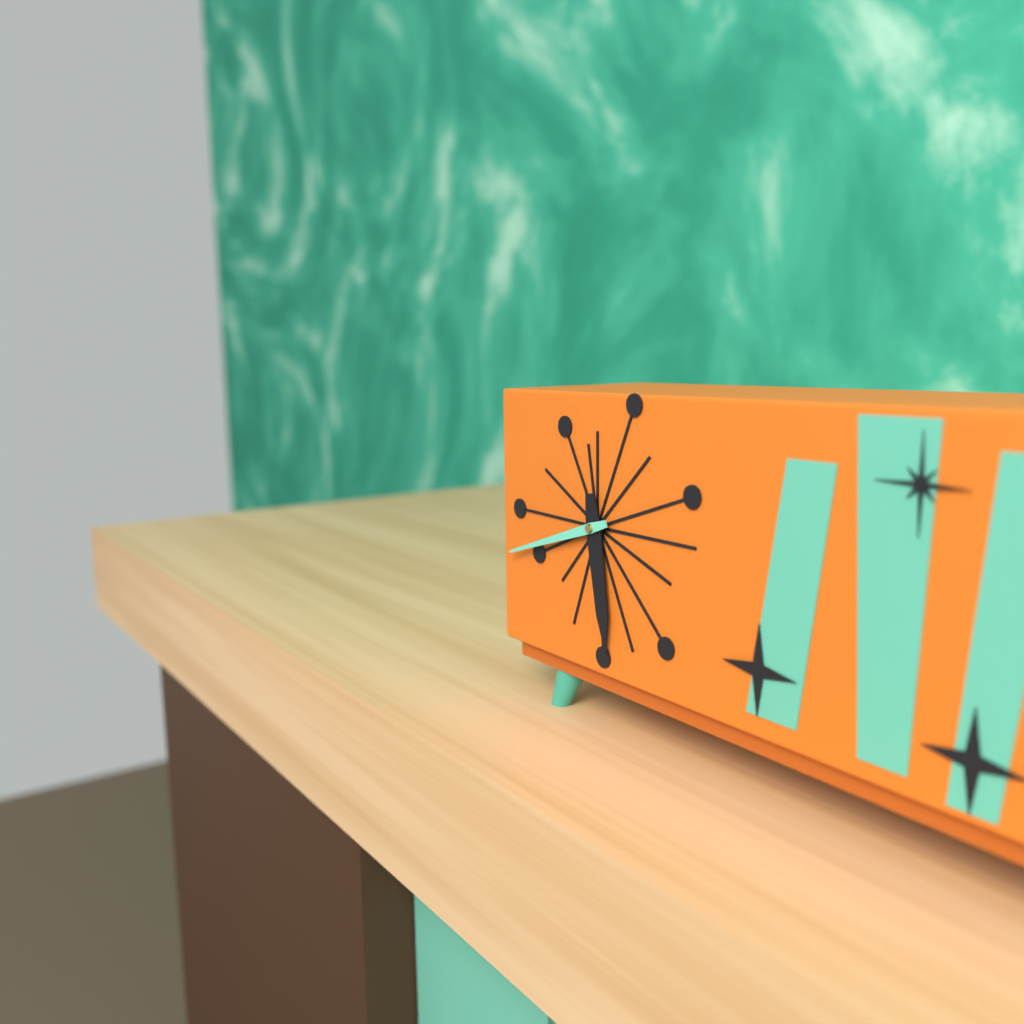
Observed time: 5:42
